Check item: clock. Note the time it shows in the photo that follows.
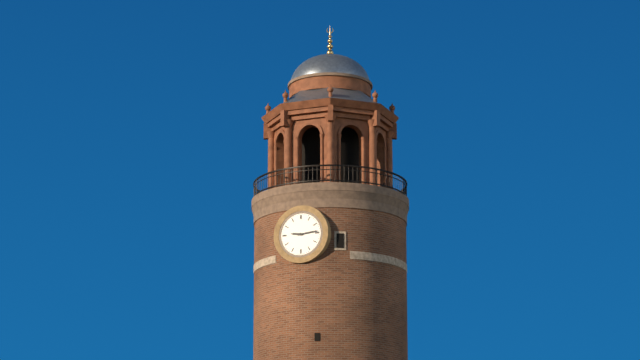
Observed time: 9:14
